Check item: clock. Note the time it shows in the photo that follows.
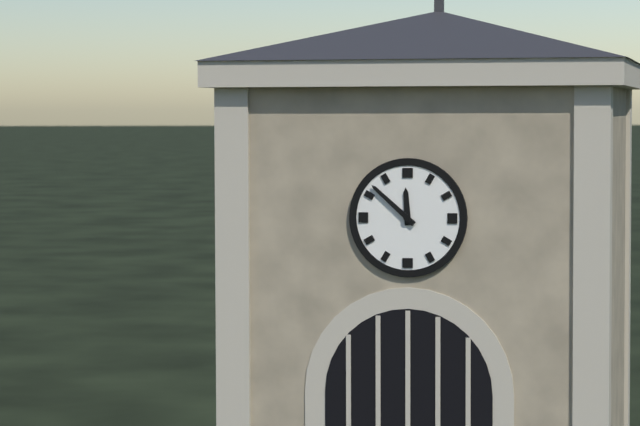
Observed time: 11:52
